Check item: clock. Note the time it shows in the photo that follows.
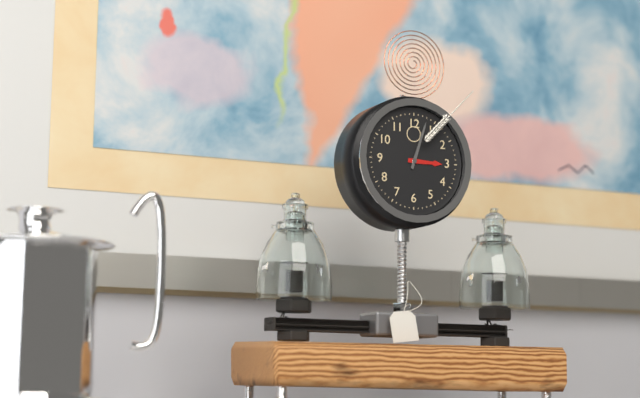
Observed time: 3:03
